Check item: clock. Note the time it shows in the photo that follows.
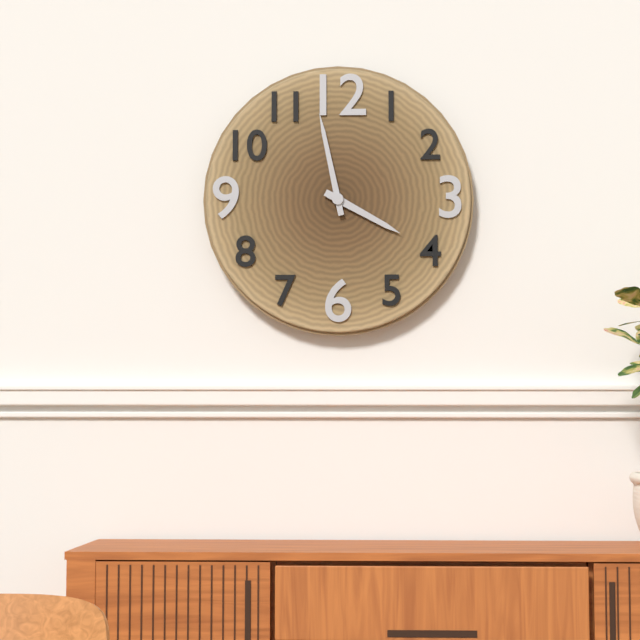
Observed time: 3:58
